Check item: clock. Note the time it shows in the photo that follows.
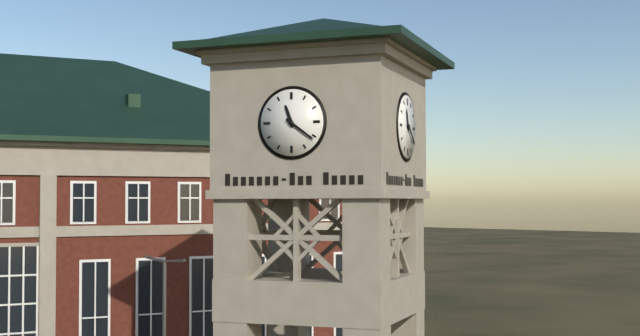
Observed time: 11:21
